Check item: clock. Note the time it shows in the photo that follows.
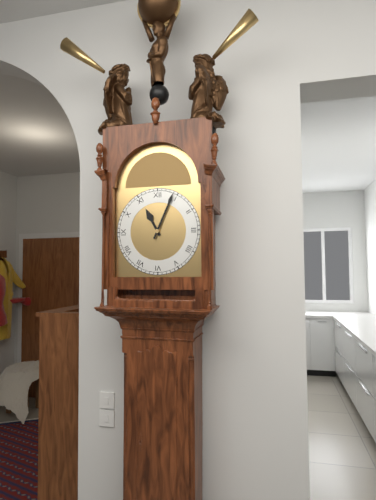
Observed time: 11:04
